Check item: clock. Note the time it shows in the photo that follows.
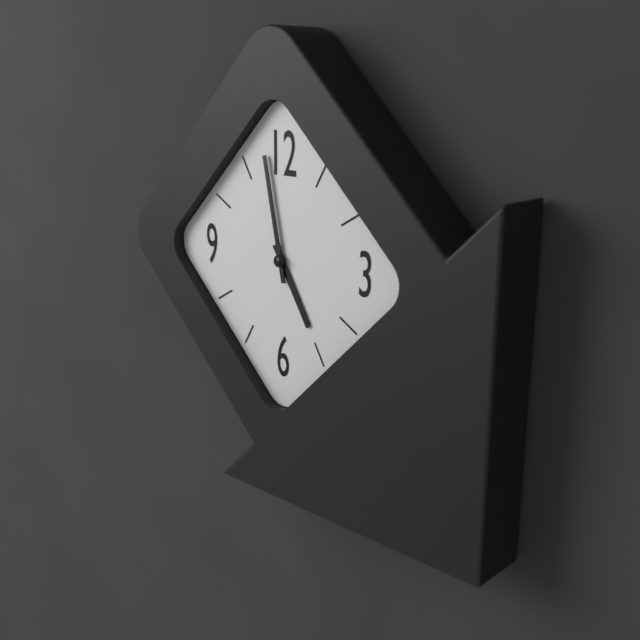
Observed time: 4:58
